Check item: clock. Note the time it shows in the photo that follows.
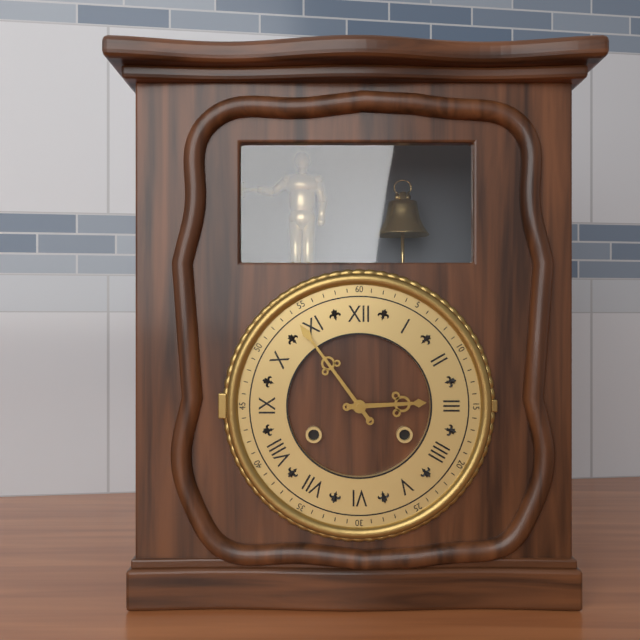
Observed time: 2:54
